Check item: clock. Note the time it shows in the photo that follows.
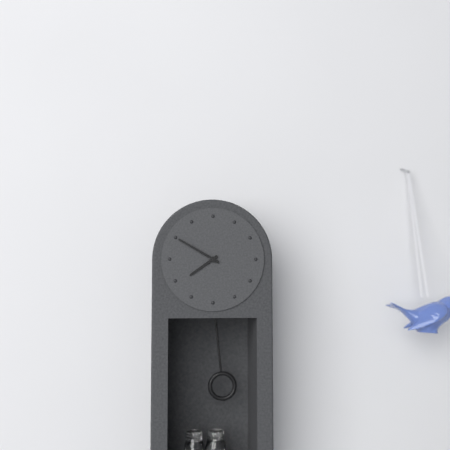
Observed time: 7:50
